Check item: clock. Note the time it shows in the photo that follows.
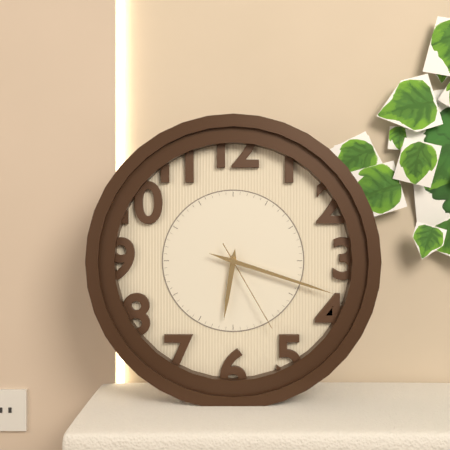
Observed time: 6:18:25
